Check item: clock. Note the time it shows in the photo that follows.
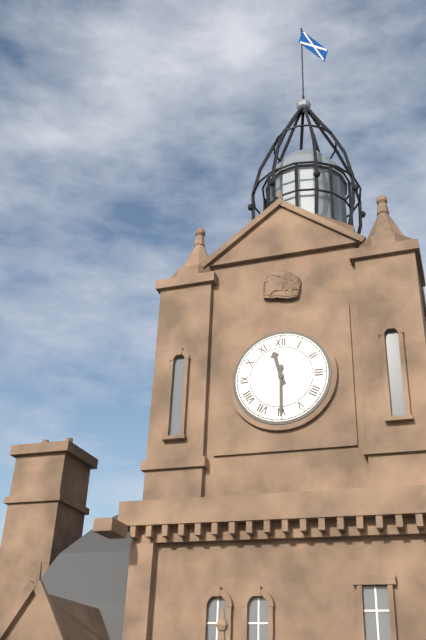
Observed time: 11:30
